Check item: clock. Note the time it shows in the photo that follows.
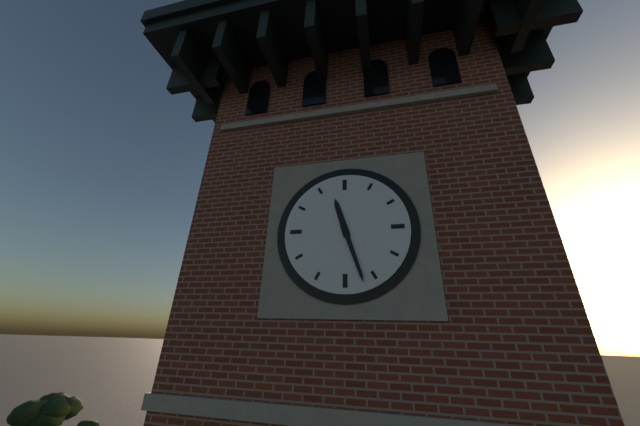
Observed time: 11:27
